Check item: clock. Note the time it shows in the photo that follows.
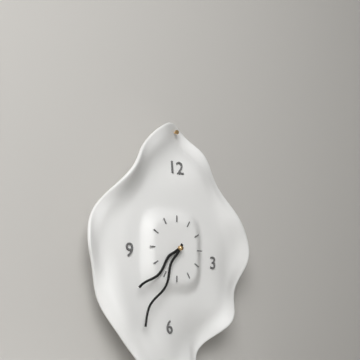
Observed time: 7:35
